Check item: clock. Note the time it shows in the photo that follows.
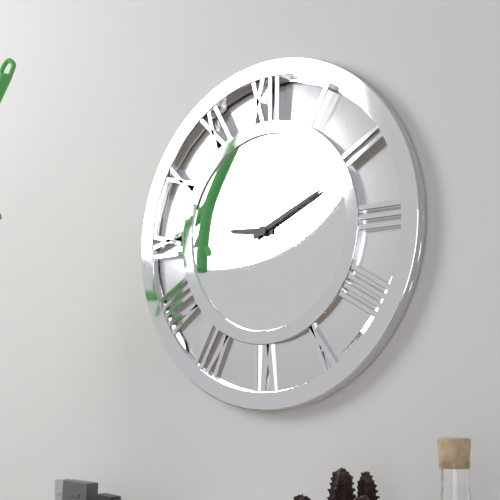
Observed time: 9:11
